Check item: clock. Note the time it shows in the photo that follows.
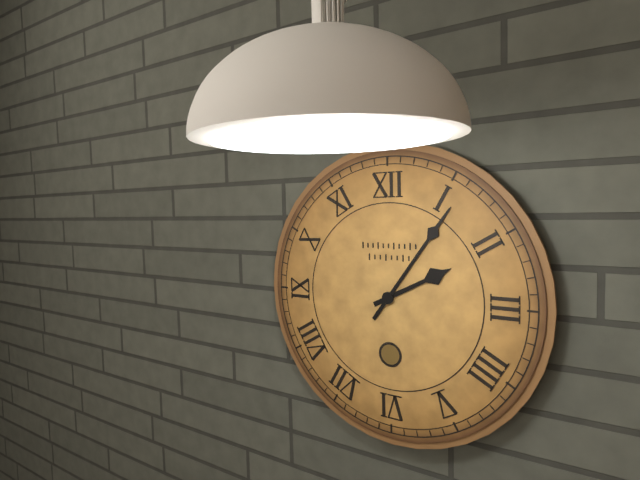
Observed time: 2:06
